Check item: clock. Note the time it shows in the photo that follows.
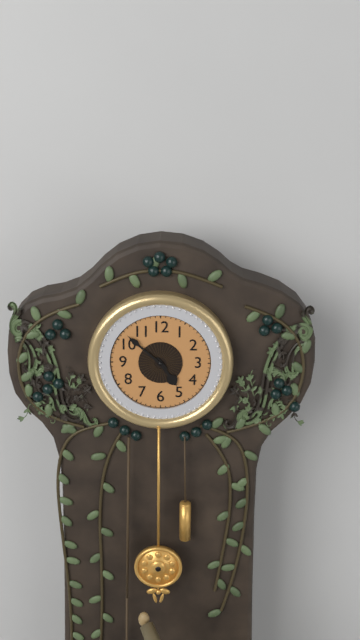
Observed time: 4:52
